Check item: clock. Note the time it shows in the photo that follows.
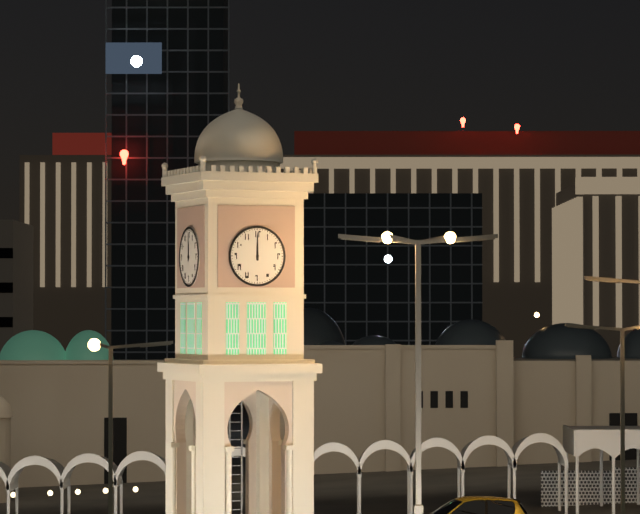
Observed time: 12:00
